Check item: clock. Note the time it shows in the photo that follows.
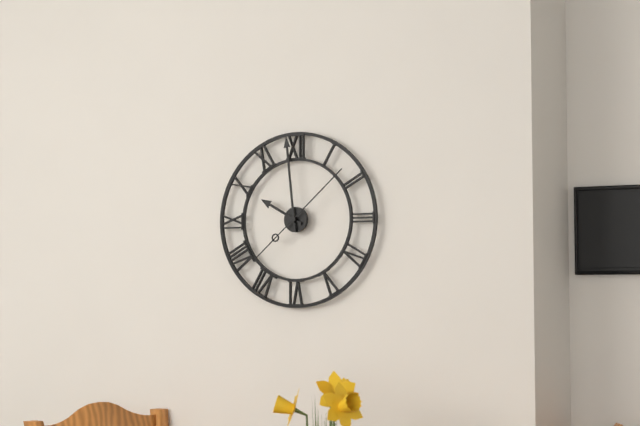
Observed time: 9:59:08
